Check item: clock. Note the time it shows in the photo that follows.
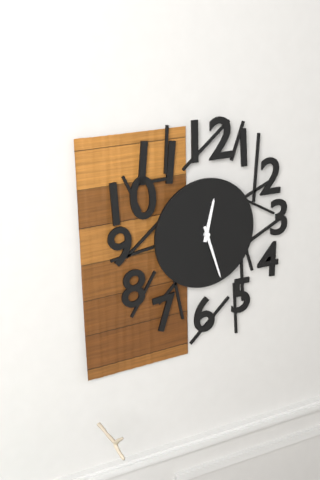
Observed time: 12:27
